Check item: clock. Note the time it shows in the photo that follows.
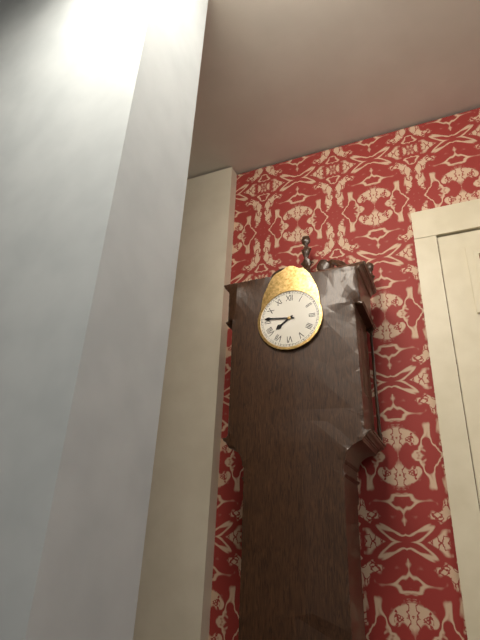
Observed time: 7:46
